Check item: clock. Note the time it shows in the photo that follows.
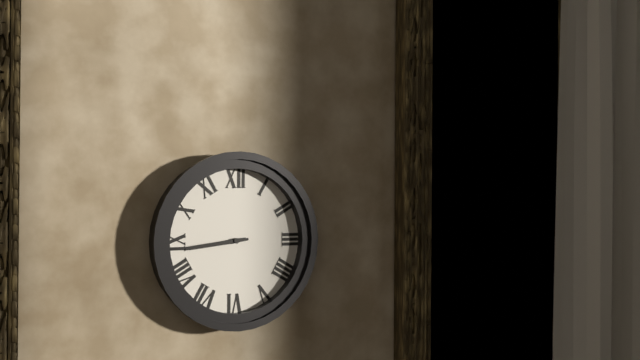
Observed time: 8:44
